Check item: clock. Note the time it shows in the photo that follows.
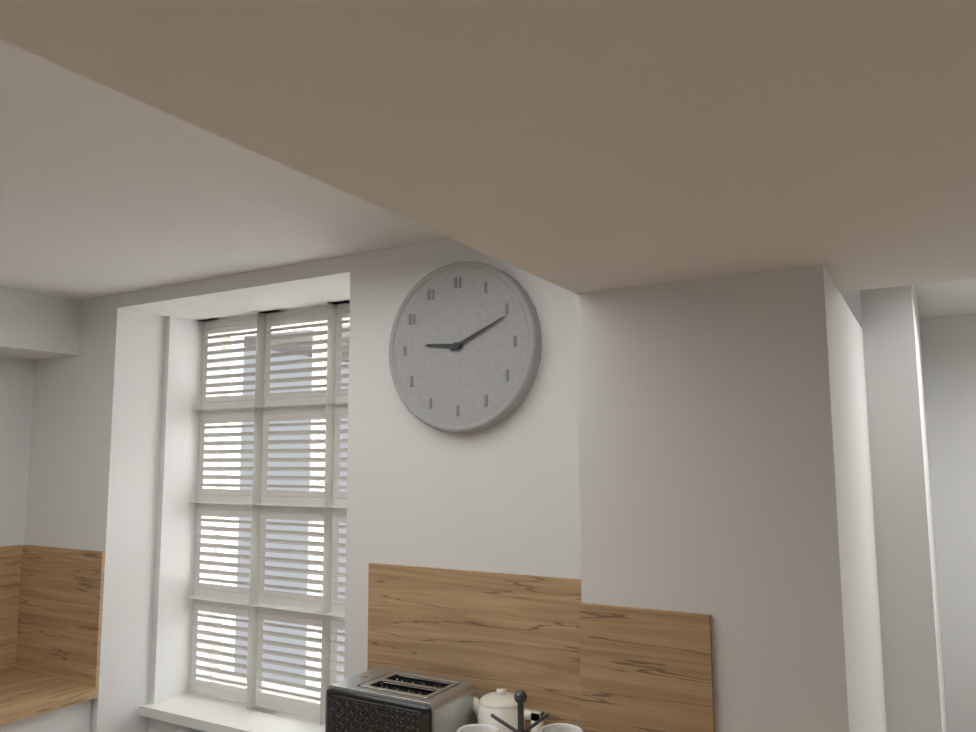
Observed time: 9:11
